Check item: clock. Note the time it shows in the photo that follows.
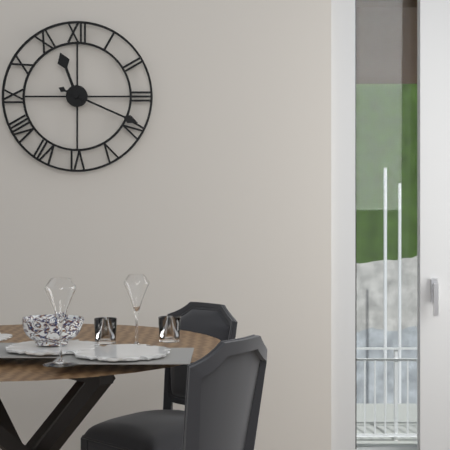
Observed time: 11:19
